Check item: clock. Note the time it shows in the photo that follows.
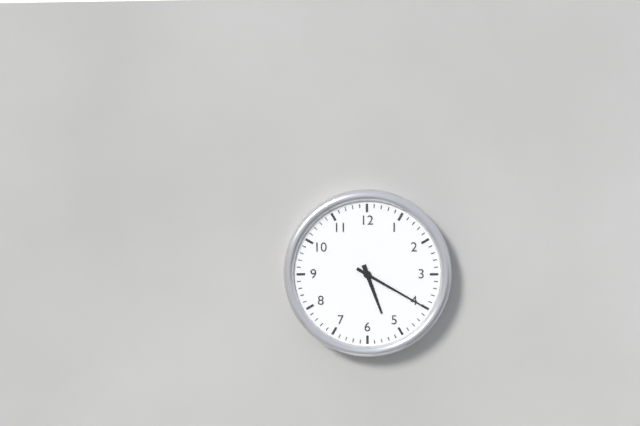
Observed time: 5:20
